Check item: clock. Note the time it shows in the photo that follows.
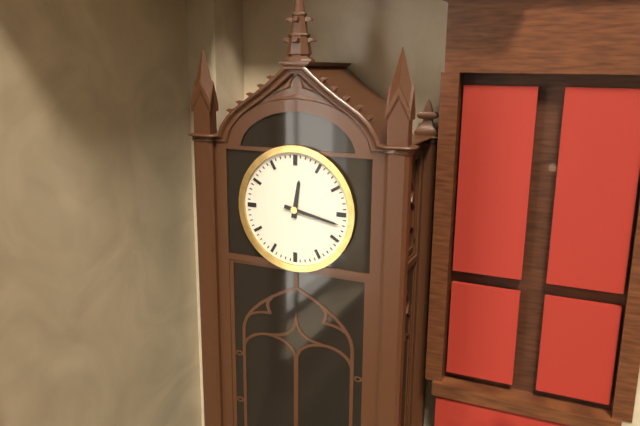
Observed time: 12:17
